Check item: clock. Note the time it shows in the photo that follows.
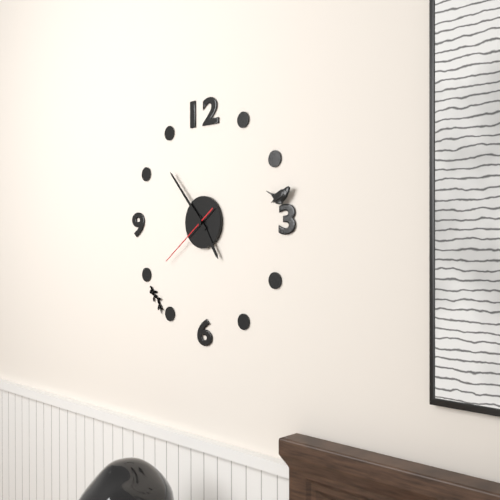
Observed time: 4:53:39
